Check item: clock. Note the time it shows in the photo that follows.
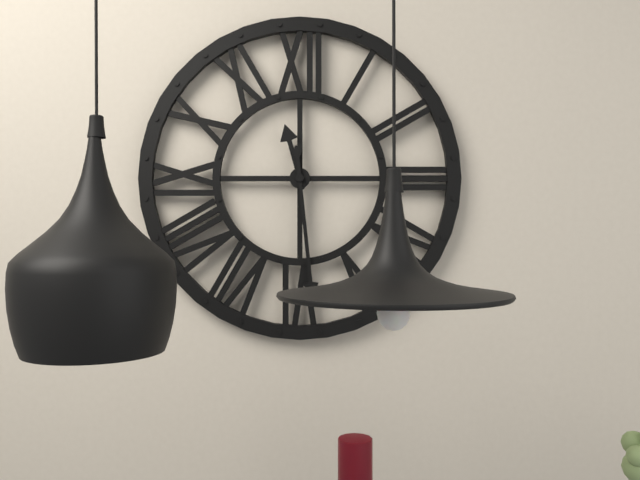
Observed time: 11:29
